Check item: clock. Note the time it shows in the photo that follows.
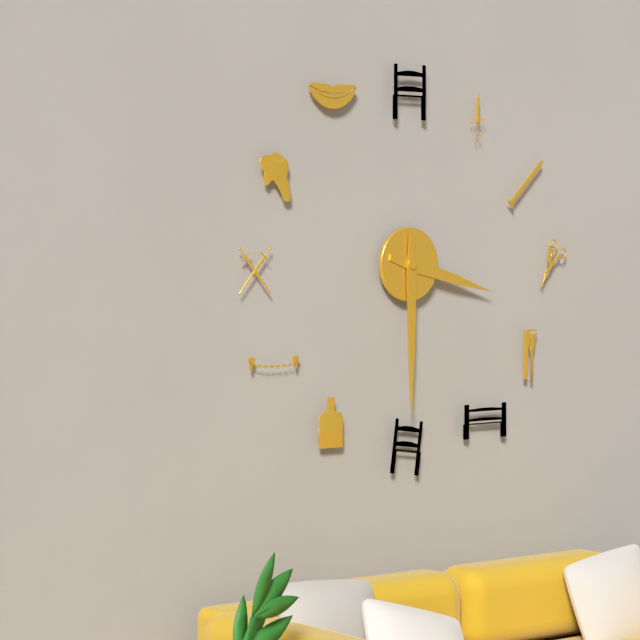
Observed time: 3:30
